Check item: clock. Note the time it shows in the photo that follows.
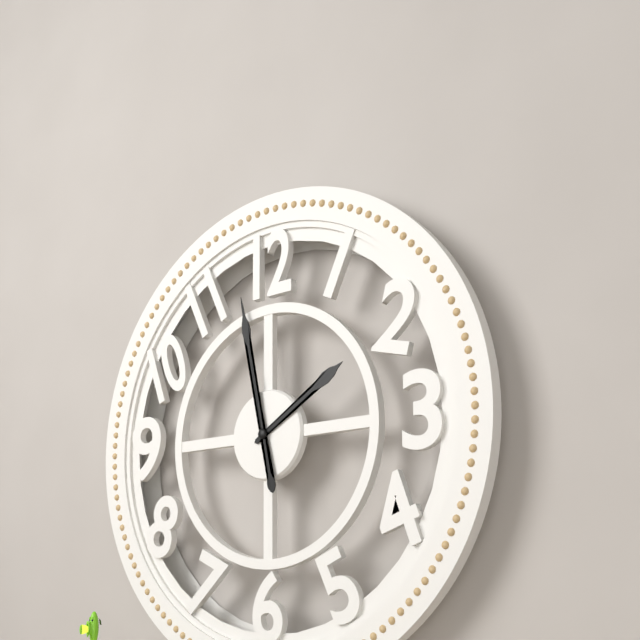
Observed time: 1:58
